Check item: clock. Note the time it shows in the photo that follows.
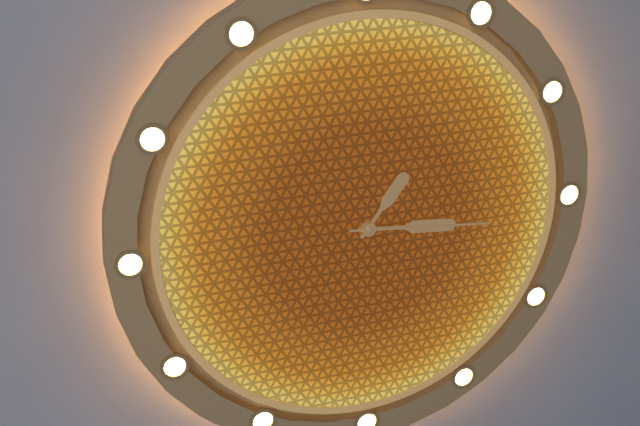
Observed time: 1:16:16
